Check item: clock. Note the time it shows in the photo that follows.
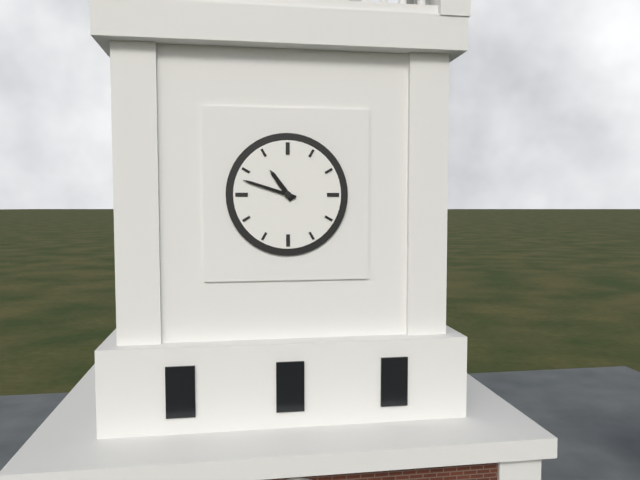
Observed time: 10:48
